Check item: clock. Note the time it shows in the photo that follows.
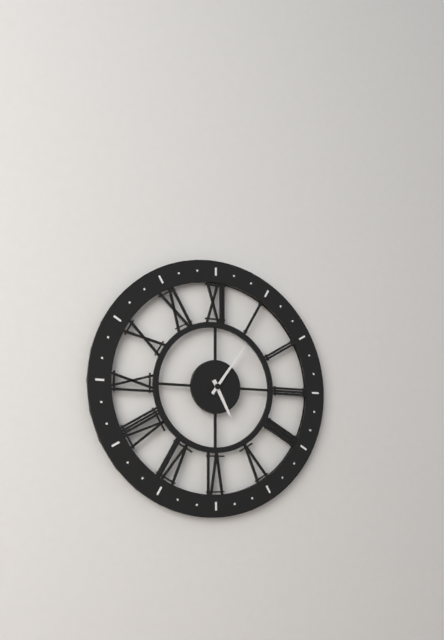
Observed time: 5:06
